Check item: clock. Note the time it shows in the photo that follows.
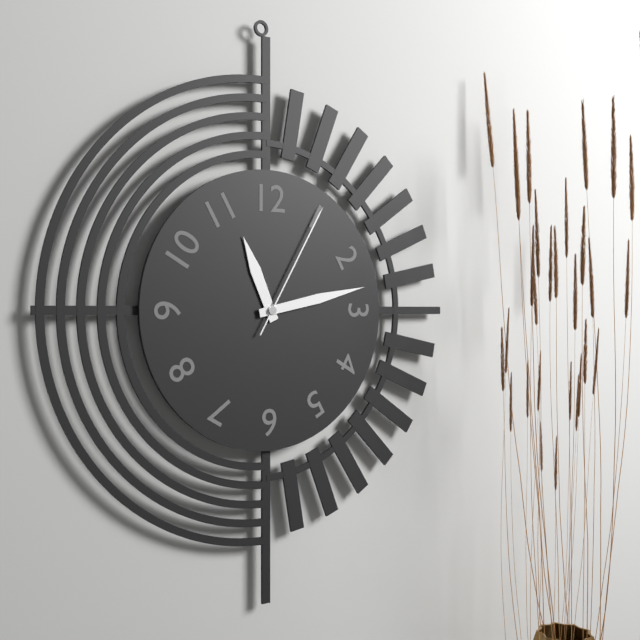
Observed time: 11:13:05
